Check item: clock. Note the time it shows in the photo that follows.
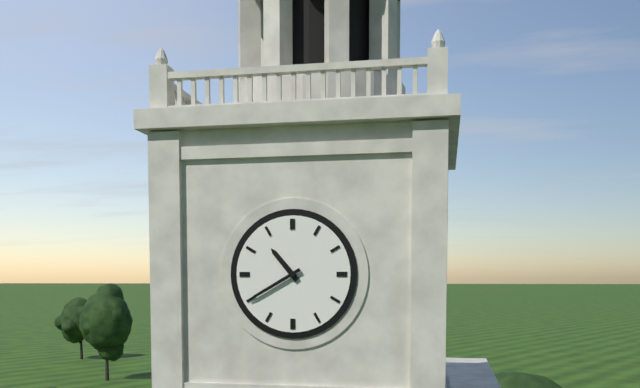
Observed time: 10:40
